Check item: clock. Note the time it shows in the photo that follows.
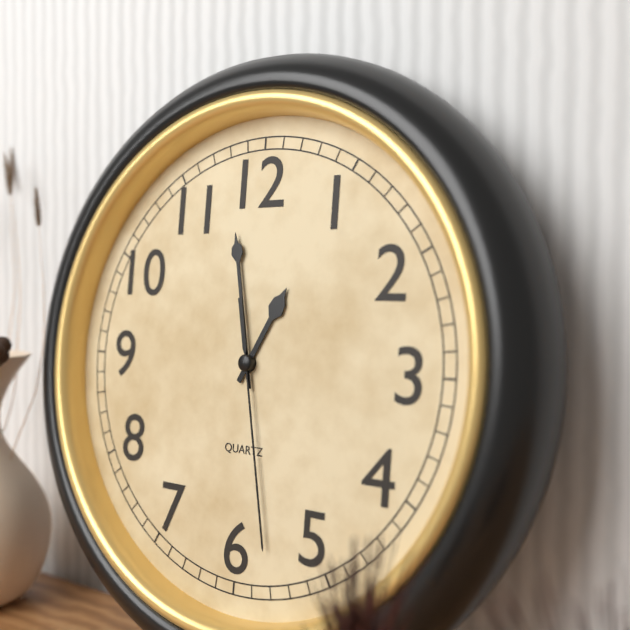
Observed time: 12:58:28
